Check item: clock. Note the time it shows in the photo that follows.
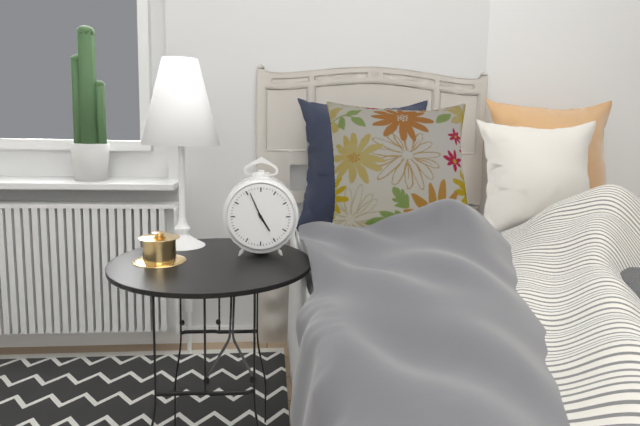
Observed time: 4:56
